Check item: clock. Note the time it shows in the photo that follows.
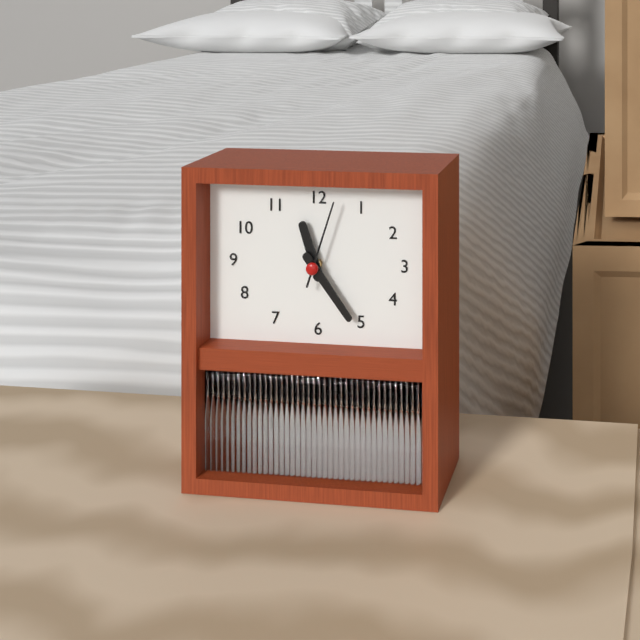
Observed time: 11:24:03
